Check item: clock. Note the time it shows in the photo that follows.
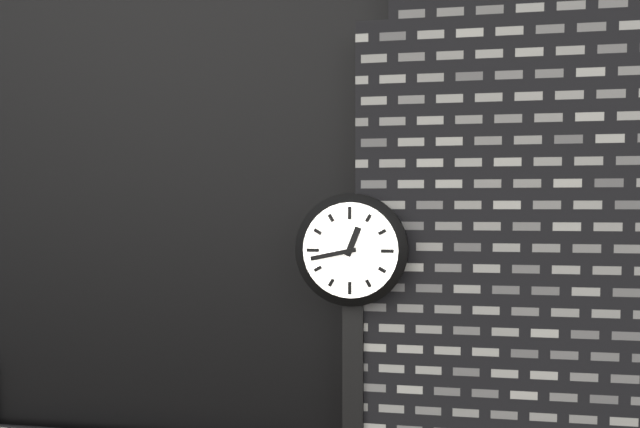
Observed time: 12:43
